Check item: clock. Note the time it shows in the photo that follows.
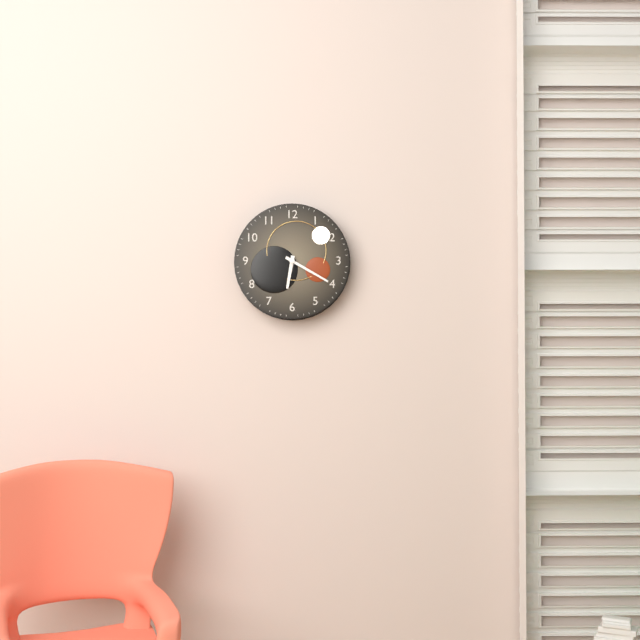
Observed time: 6:20
